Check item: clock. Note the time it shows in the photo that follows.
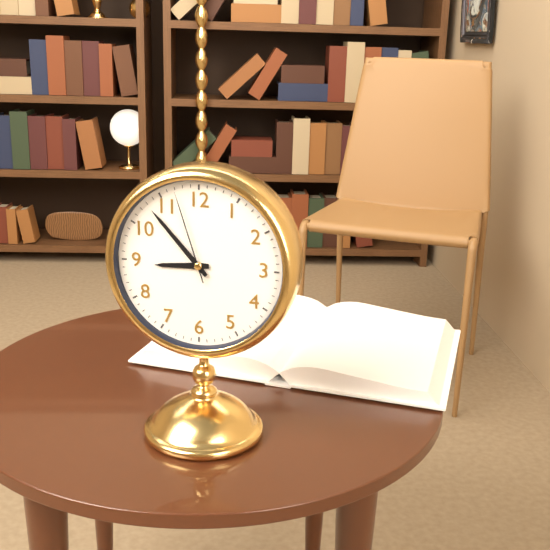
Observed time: 8:53:57
